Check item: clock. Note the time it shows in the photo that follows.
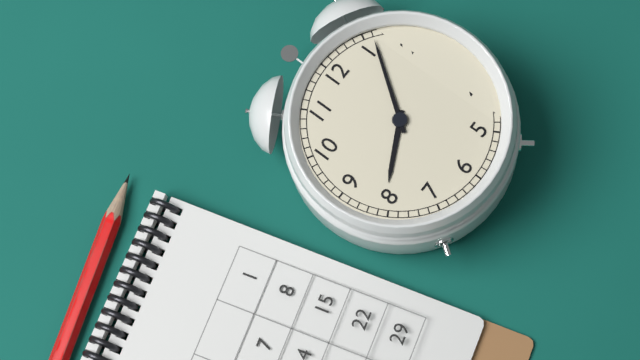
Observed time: 8:06
